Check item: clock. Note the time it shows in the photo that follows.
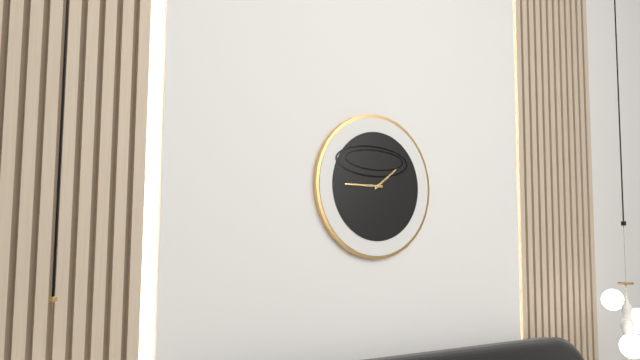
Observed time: 1:45
